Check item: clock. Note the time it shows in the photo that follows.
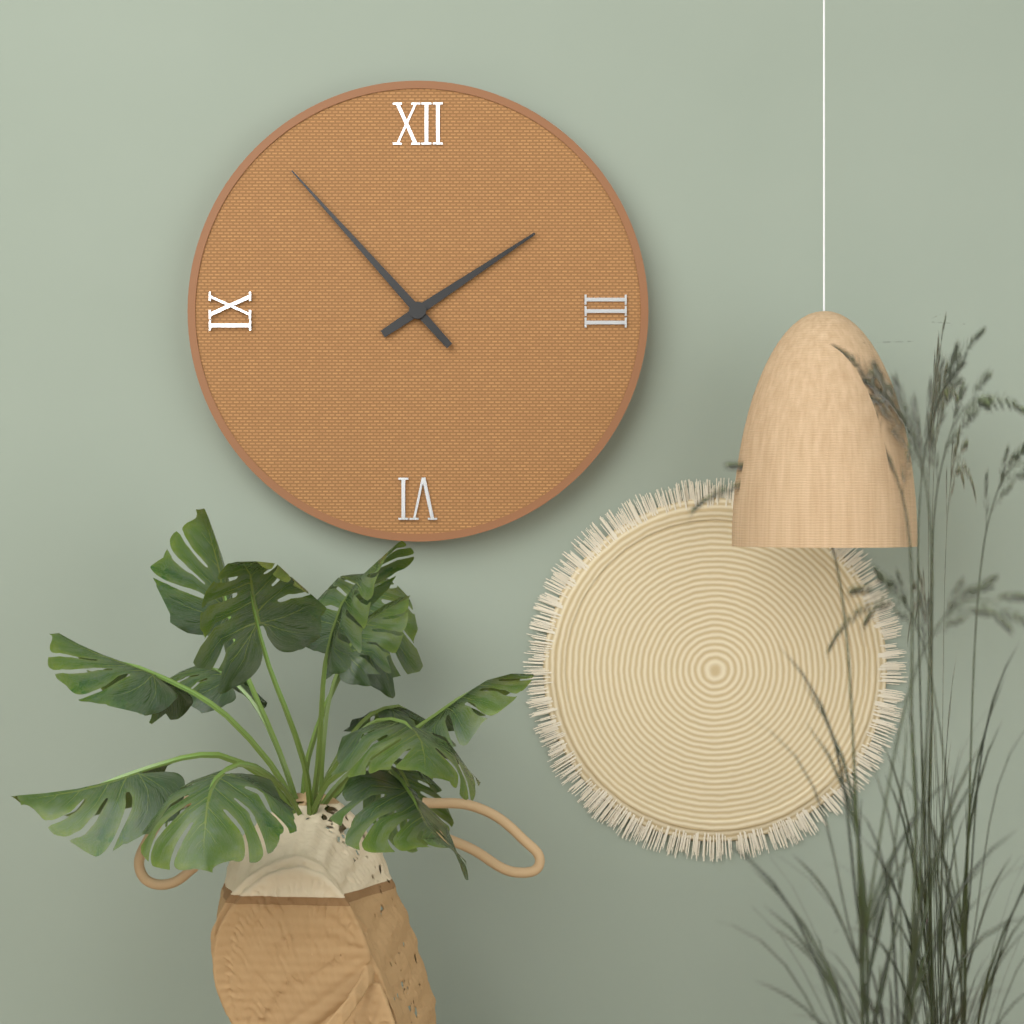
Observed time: 1:53
